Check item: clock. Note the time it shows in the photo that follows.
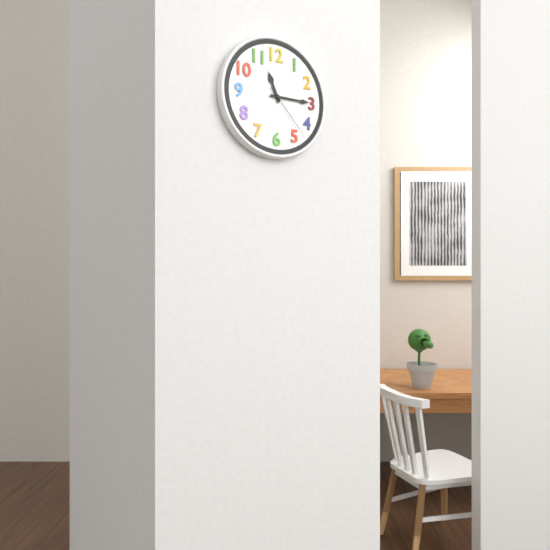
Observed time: 11:15:23
